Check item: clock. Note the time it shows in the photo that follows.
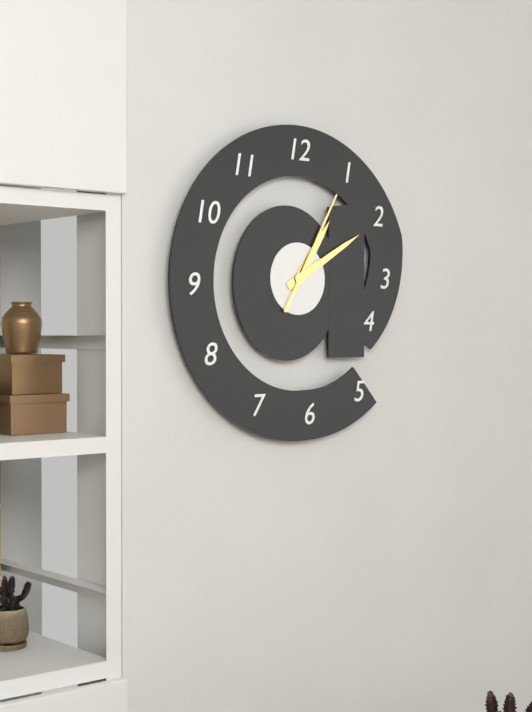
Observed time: 1:10:05
